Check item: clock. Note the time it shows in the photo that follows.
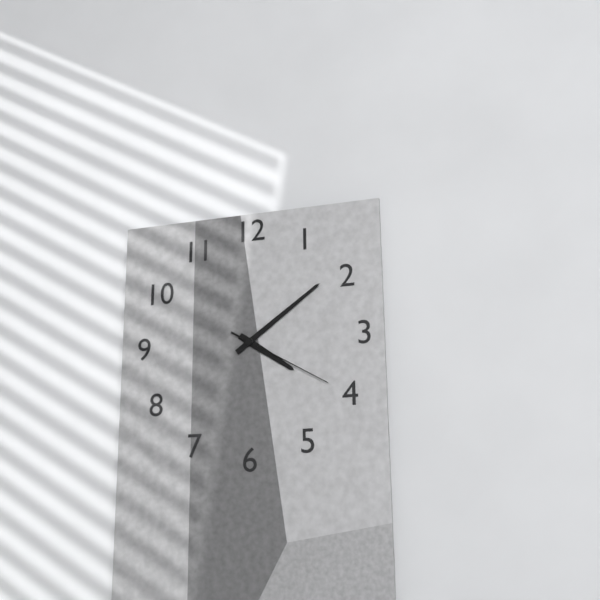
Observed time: 4:09:20
